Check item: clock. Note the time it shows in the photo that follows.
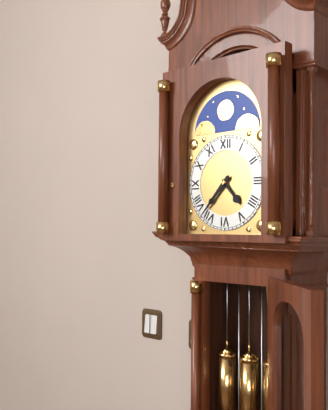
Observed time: 4:37
